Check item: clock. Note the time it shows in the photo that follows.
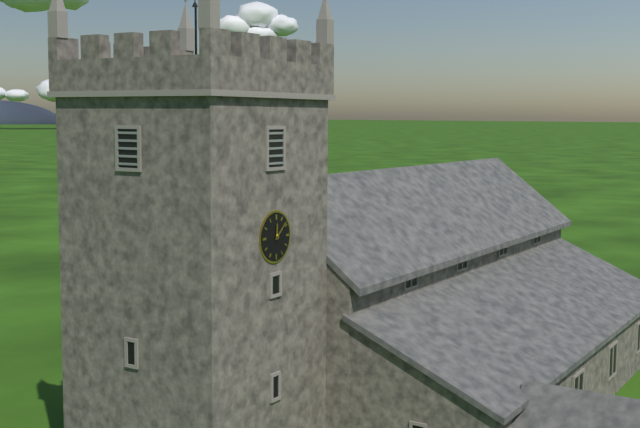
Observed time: 12:08
